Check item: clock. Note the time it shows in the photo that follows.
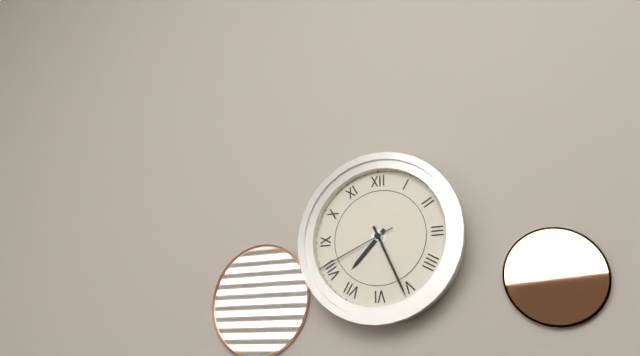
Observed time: 7:26:41
